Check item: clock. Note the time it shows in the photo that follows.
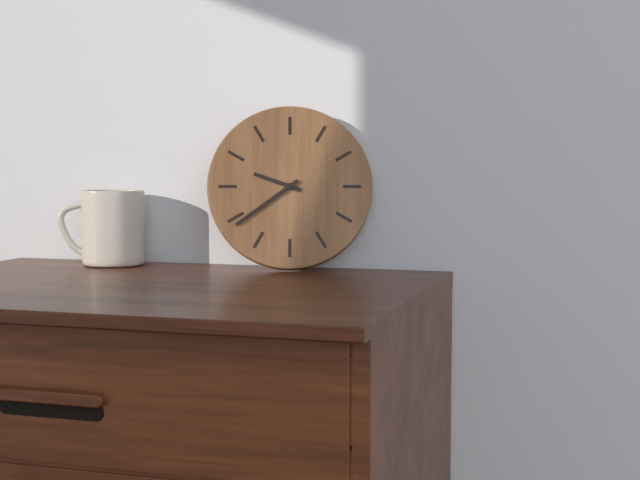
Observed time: 9:39
